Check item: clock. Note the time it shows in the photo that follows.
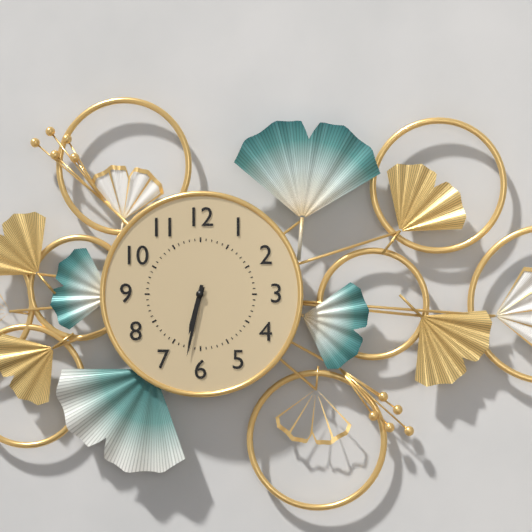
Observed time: 6:32
